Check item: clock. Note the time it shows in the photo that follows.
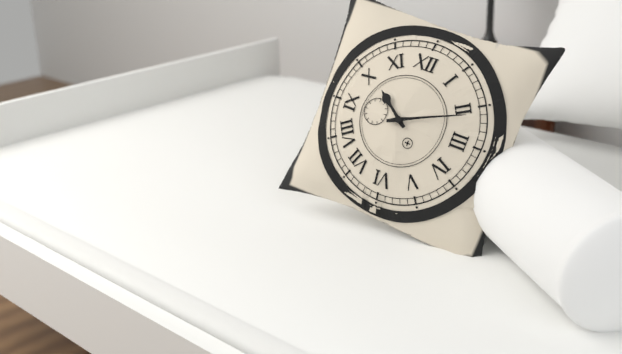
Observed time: 10:11
